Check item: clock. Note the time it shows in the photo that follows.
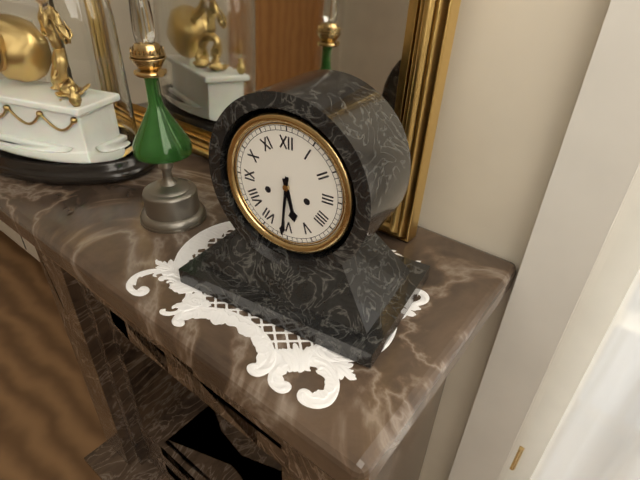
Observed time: 5:31
